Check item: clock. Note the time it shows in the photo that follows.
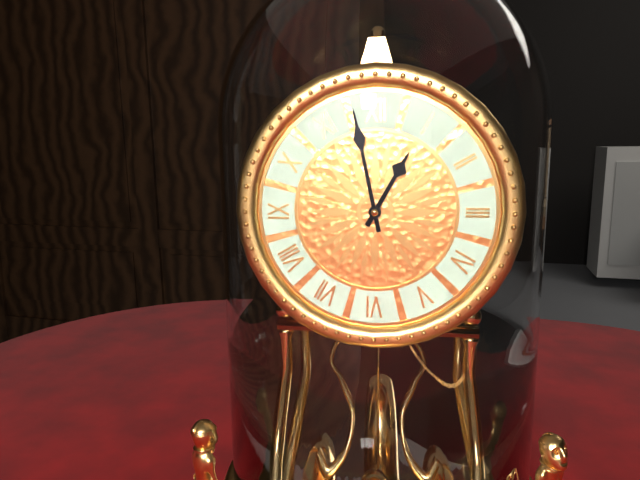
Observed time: 12:58
